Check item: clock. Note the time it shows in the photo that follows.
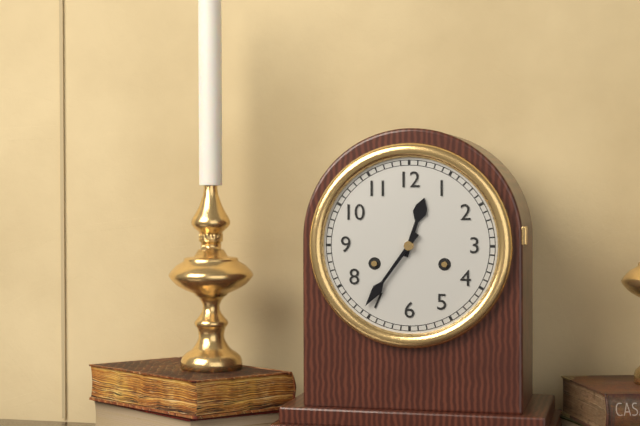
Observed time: 12:36
